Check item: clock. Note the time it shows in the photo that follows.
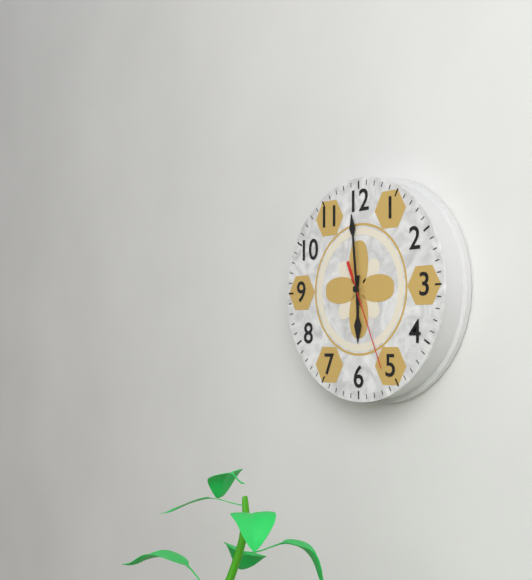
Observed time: 5:59:26
